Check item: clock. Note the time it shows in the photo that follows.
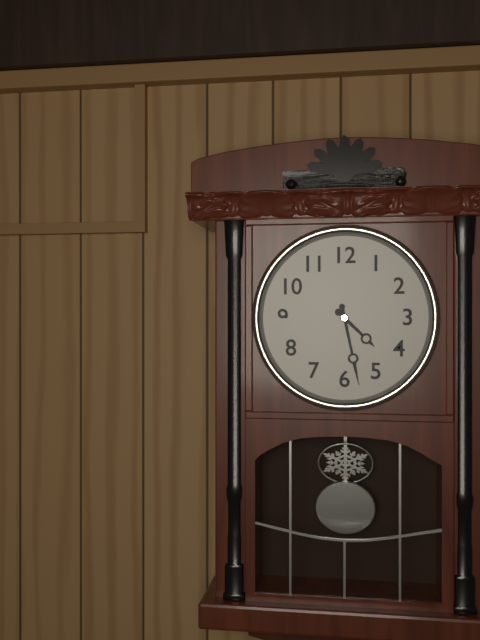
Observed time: 4:28
